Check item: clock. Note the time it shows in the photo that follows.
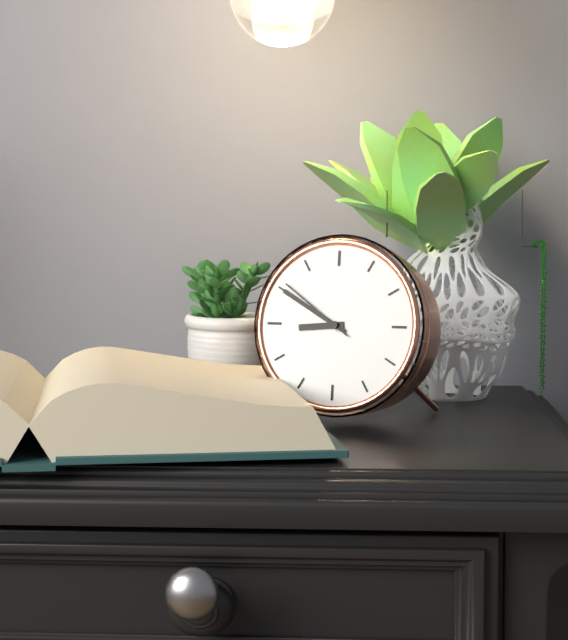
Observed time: 8:50:51
